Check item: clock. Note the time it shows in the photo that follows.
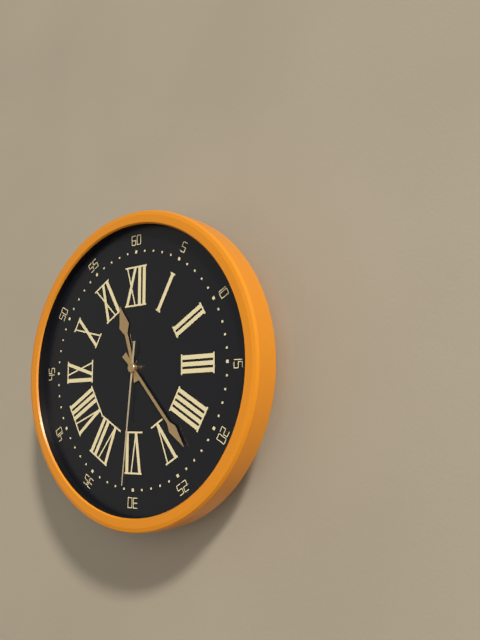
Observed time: 11:23:31
